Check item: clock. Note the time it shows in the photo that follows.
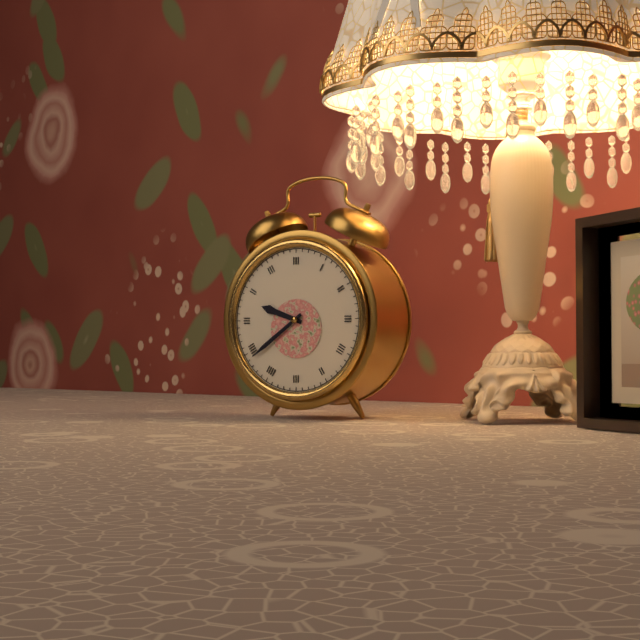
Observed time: 9:39
